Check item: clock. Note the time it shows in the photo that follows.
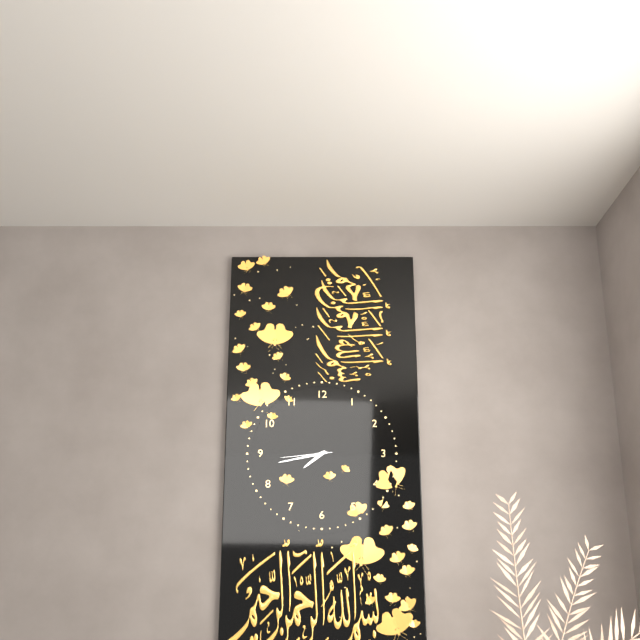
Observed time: 7:43:44
